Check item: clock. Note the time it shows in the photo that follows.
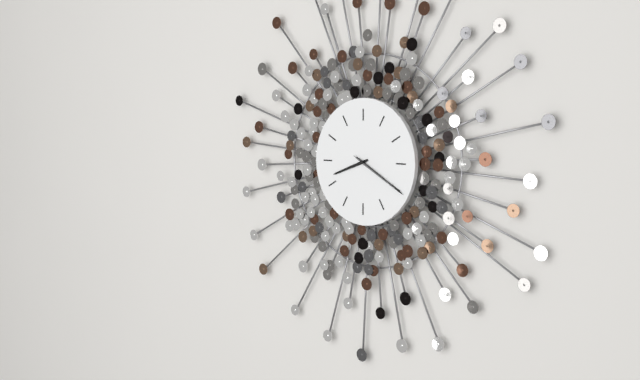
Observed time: 8:20:20
